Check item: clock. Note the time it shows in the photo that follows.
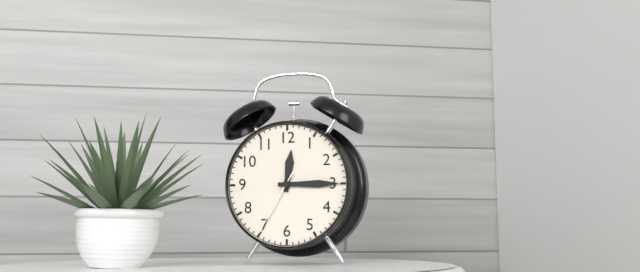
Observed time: 12:15:35
